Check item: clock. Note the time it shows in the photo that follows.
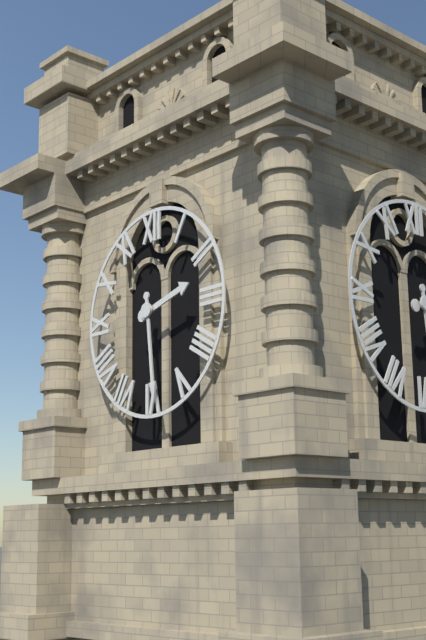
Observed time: 2:29
